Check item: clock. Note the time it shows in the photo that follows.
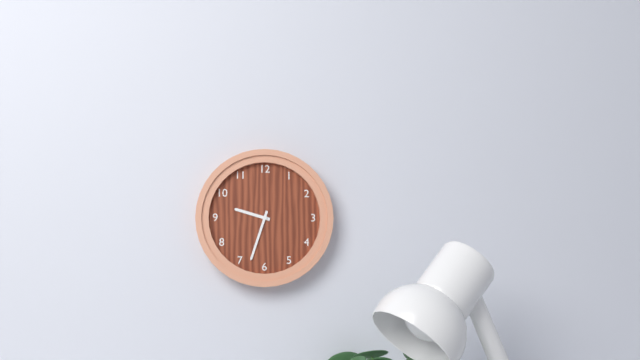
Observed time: 9:33
